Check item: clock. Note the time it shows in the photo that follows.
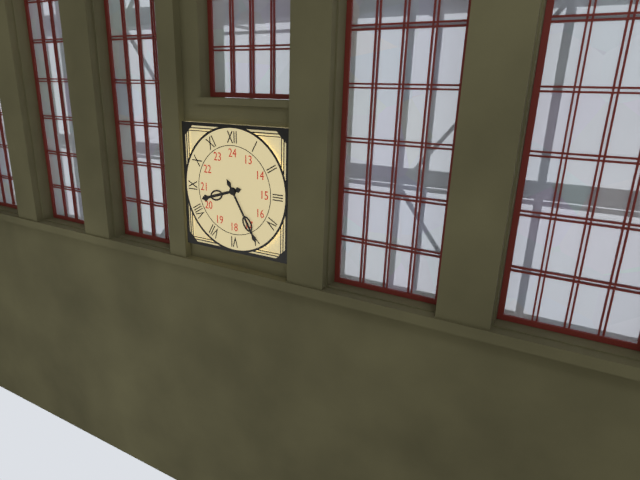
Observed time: 8:25
